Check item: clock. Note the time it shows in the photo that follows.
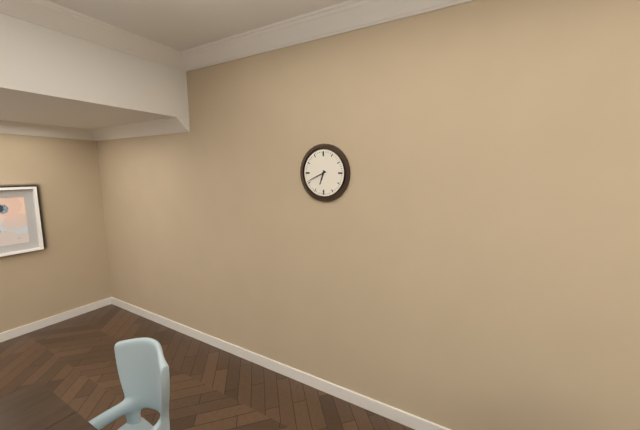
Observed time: 6:41
